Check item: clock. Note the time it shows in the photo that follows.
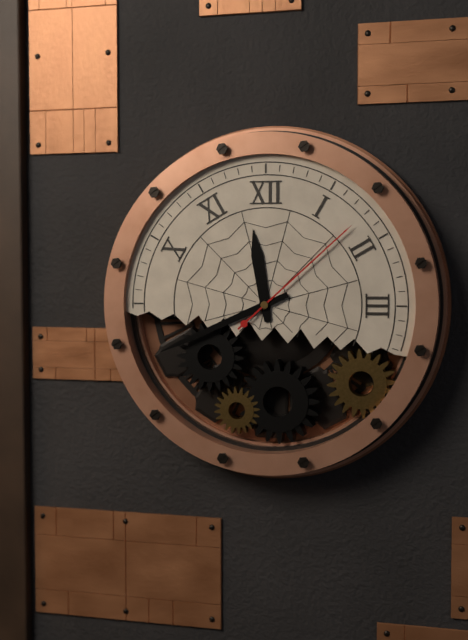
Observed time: 11:41:08
